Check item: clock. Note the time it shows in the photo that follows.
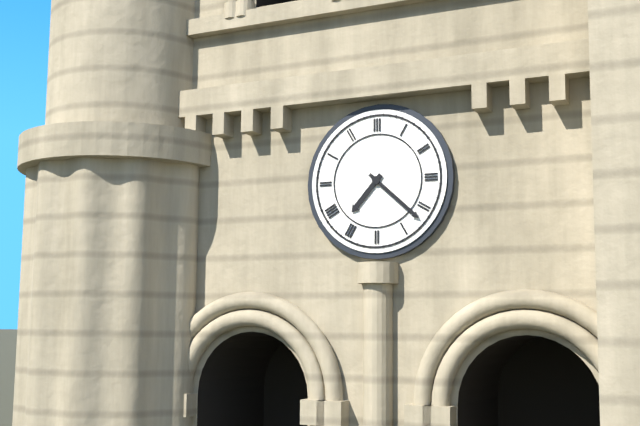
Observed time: 7:22
